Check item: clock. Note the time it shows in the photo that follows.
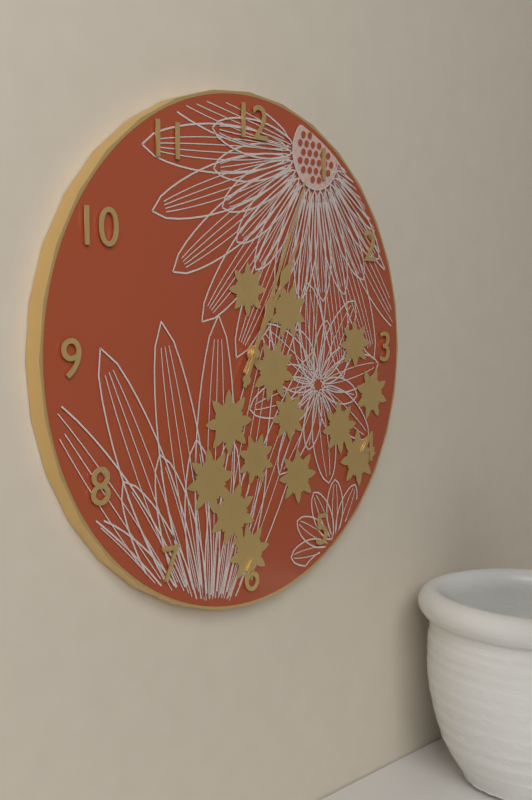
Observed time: 1:04
